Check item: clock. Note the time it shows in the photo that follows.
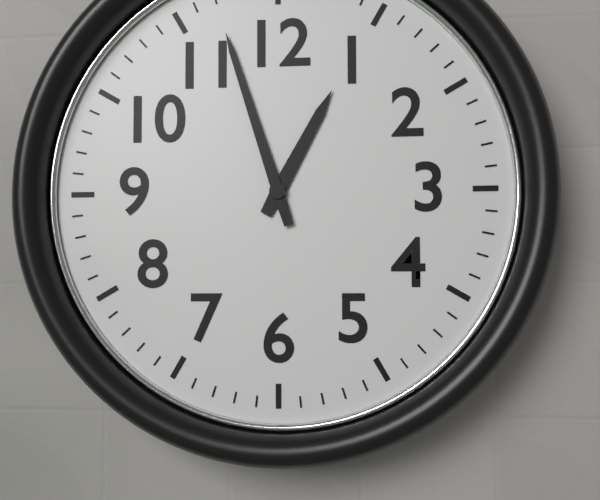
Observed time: 12:57
